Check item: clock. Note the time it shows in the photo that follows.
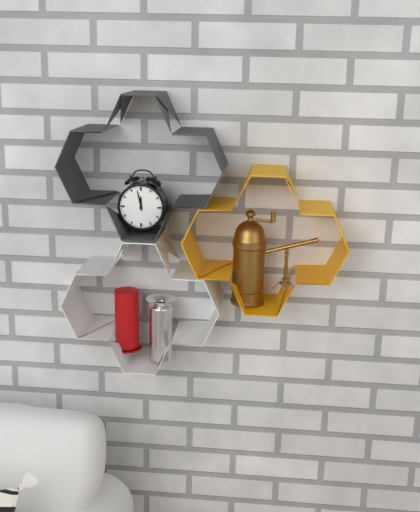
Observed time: 11:58
